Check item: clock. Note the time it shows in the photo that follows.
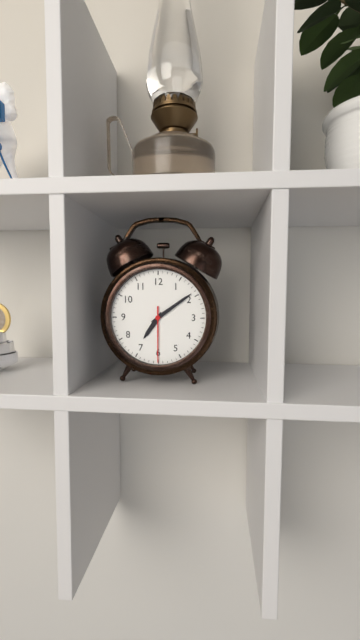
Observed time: 7:09:30
